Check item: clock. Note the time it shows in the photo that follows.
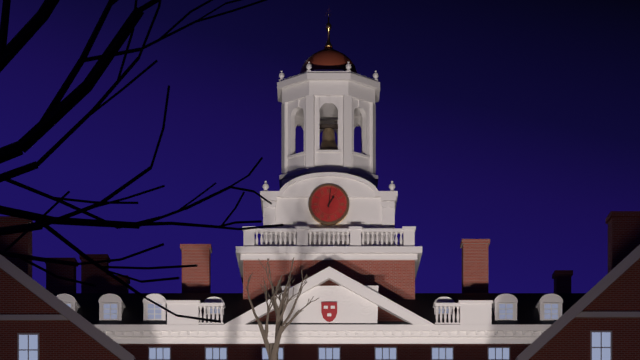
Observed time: 1:01
